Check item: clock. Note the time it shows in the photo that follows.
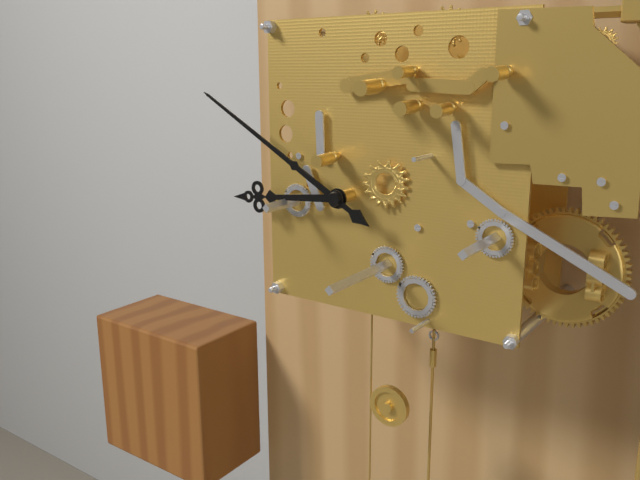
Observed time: 8:50
